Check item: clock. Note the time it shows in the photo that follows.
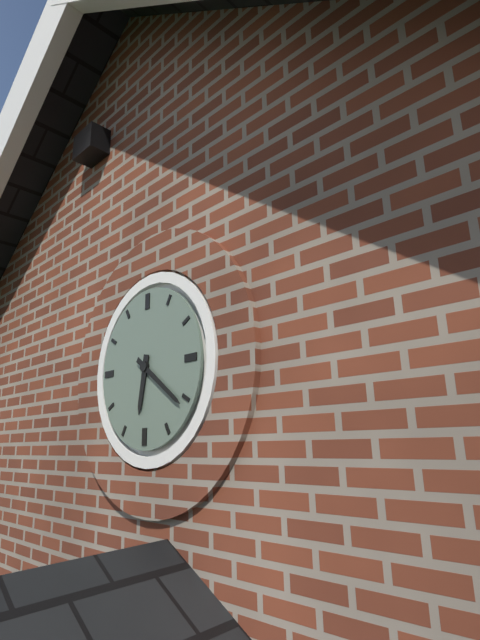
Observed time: 6:21
